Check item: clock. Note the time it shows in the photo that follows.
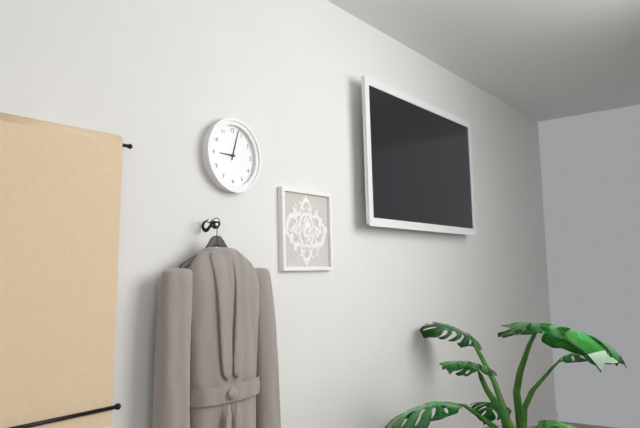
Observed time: 9:03
